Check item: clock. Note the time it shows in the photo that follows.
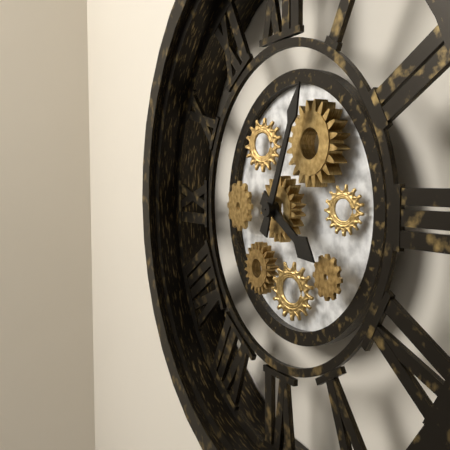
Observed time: 4:04
